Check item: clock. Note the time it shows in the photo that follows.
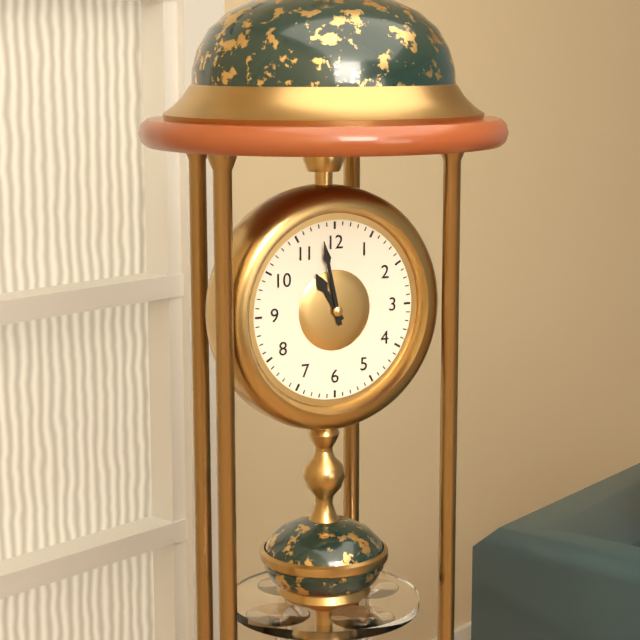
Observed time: 10:58
